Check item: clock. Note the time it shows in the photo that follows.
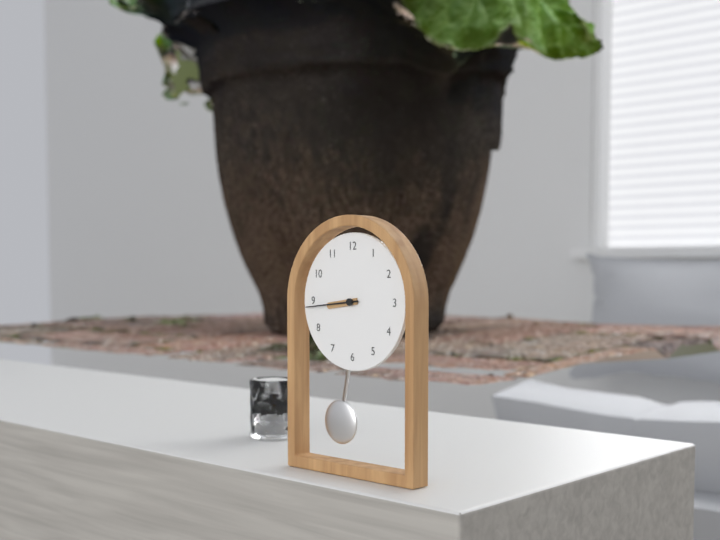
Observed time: 8:44
